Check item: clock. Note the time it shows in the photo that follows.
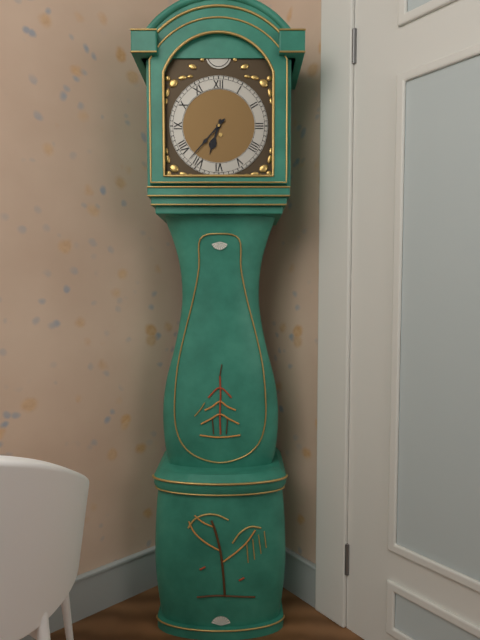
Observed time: 6:37
